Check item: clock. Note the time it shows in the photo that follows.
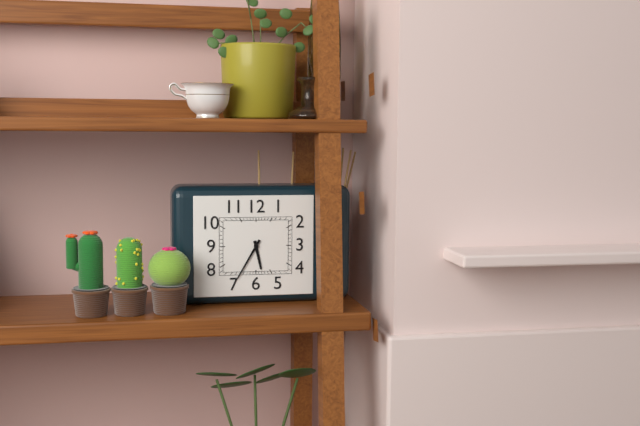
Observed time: 5:35
